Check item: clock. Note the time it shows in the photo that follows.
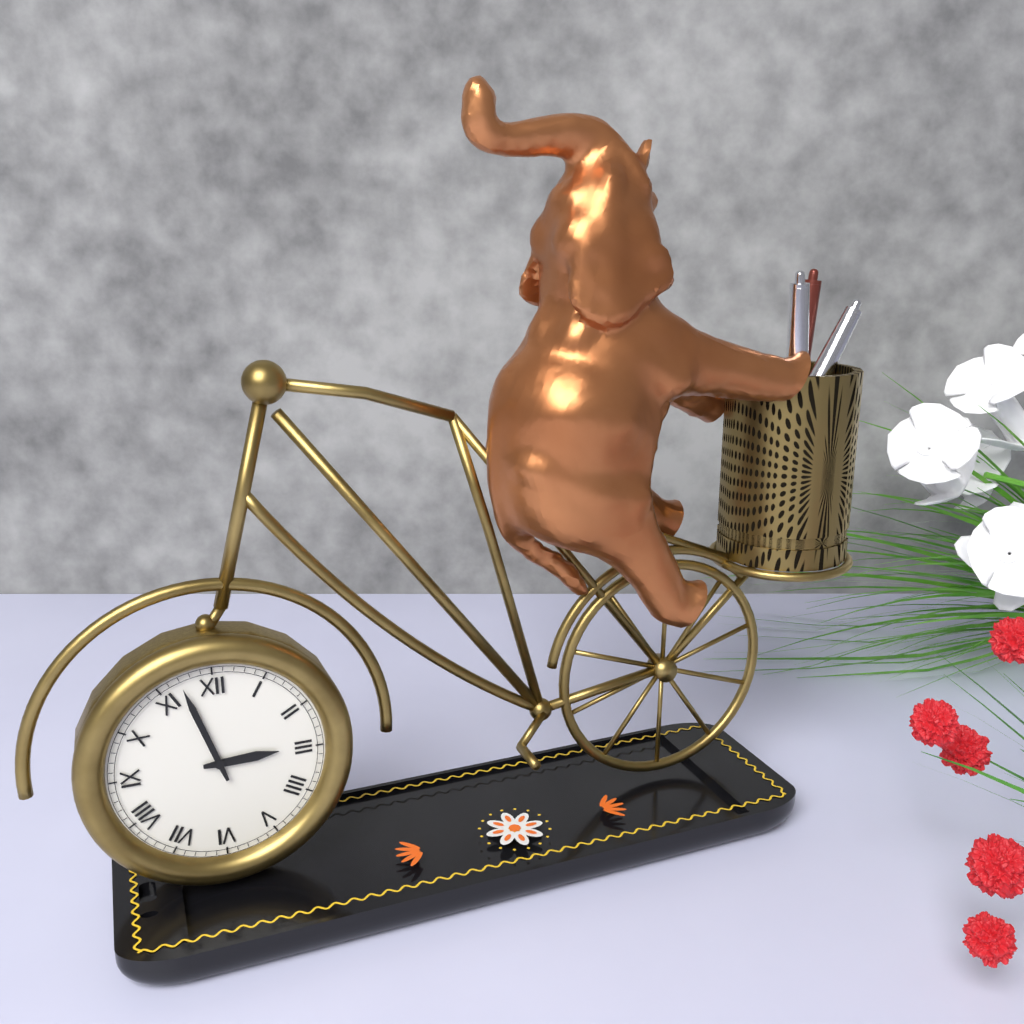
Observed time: 2:57
